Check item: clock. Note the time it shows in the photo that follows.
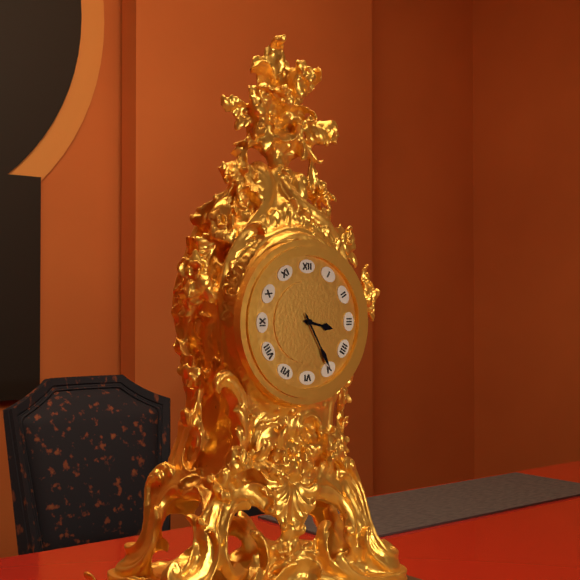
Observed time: 3:25
